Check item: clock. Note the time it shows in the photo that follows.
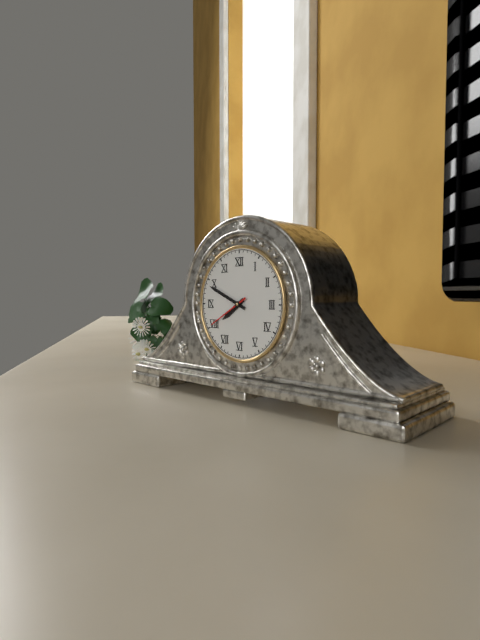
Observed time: 7:49:40
